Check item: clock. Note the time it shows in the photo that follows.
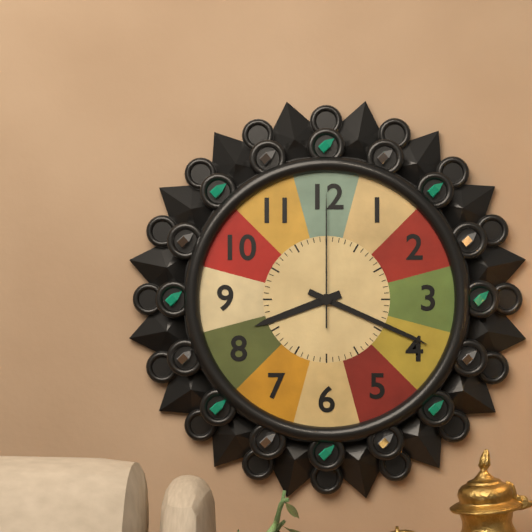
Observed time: 8:19:00
